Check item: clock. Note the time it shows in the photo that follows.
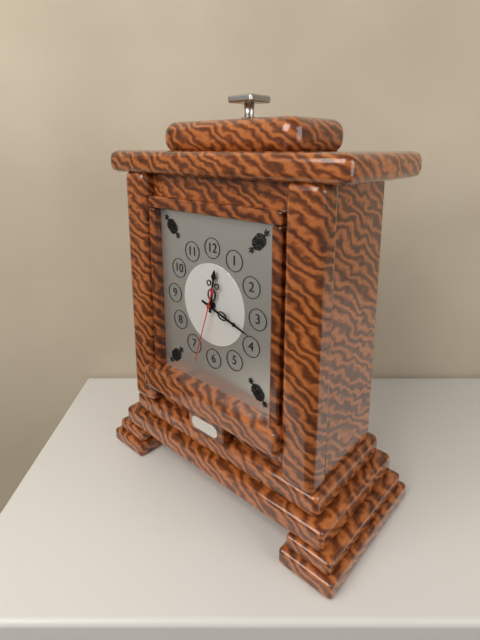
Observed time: 12:18:33
